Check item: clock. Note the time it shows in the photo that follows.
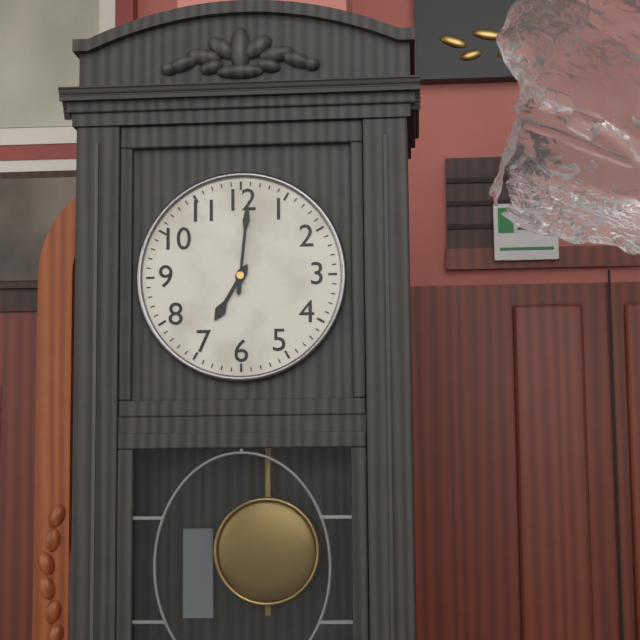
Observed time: 7:01
